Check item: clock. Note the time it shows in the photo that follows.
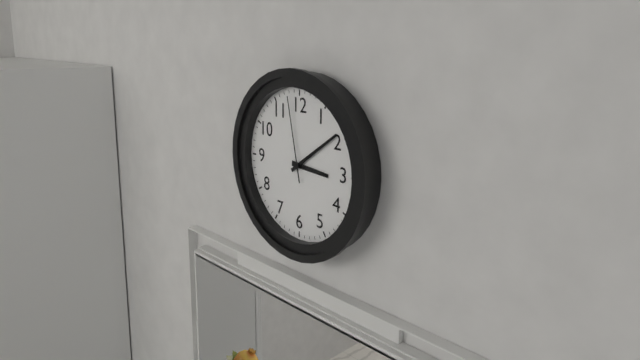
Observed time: 3:09:58
